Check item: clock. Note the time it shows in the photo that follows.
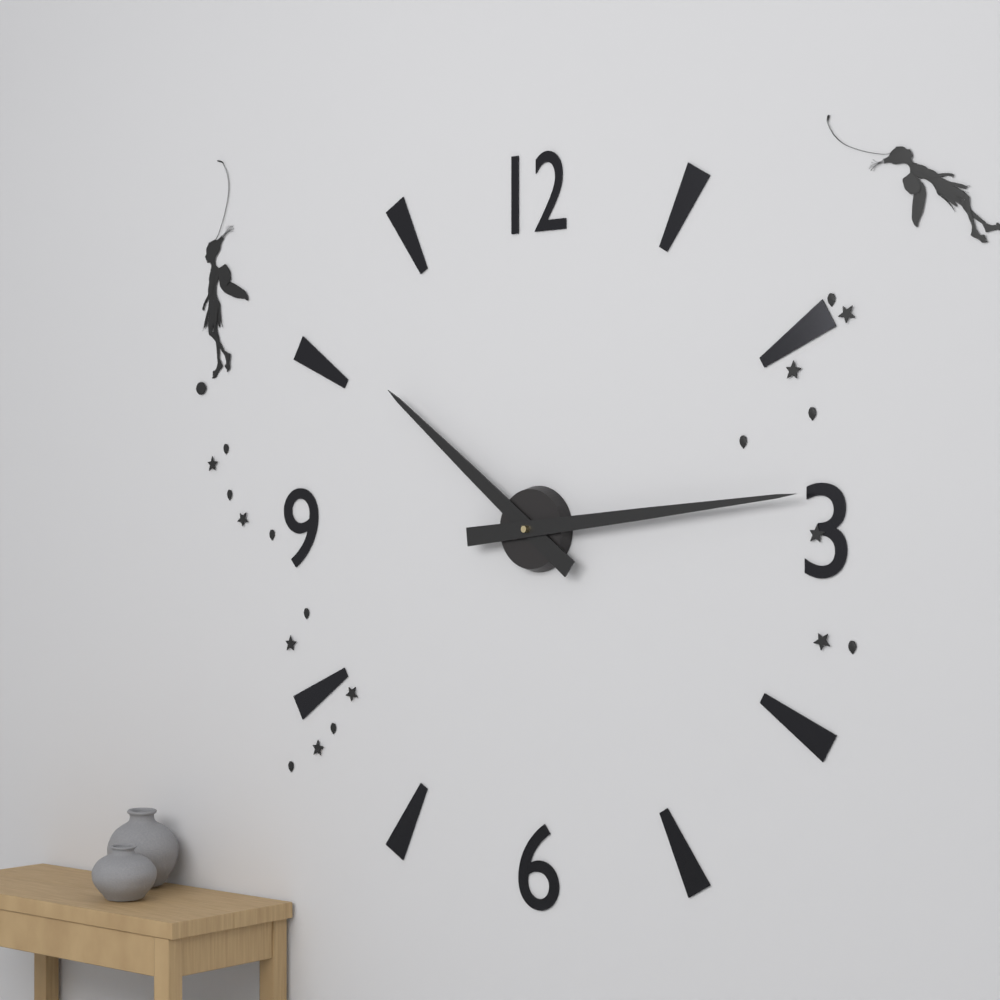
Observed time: 10:14
